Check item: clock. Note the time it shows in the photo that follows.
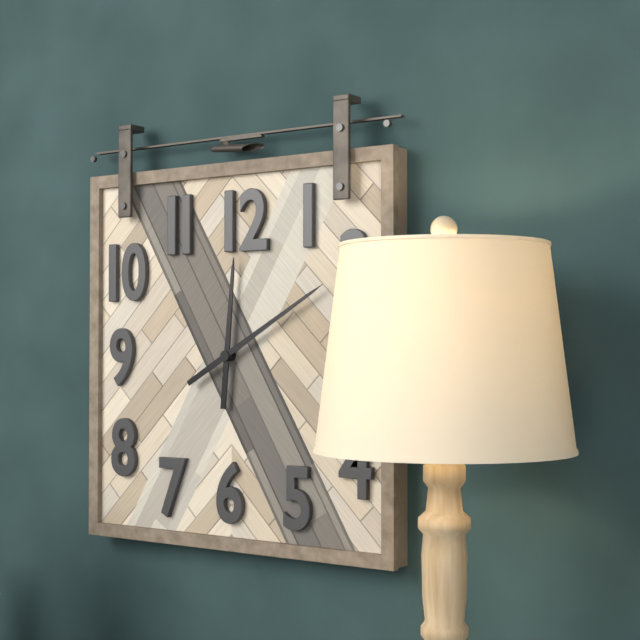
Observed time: 12:10
